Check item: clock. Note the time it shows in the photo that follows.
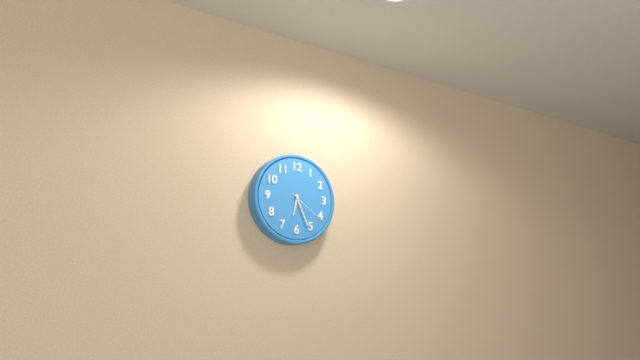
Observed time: 6:26
